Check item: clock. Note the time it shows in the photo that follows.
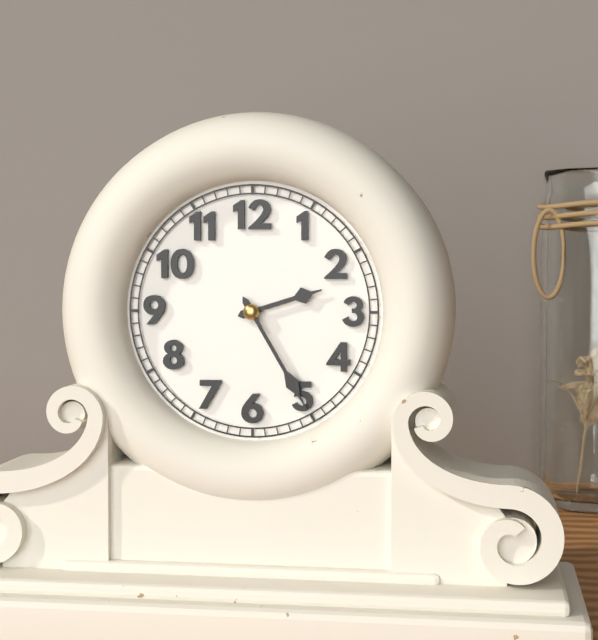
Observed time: 2:25
